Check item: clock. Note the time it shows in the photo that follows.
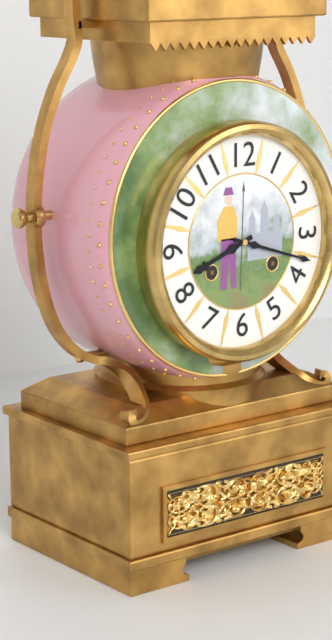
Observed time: 8:18
